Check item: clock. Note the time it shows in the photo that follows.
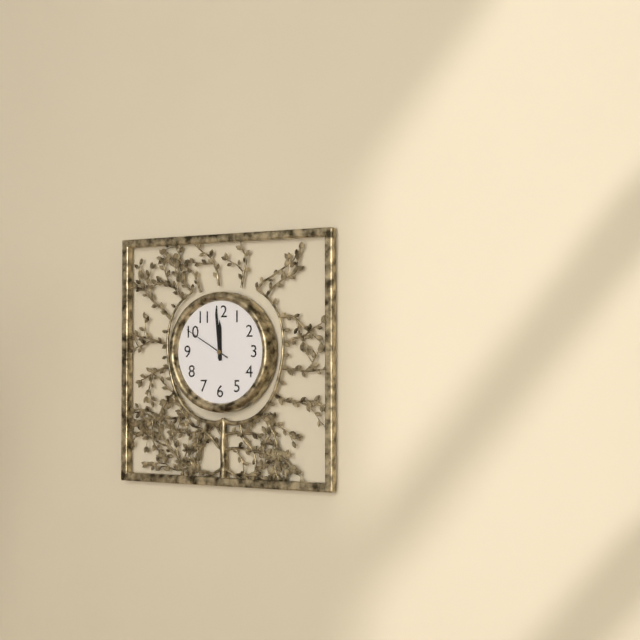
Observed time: 11:59:50
